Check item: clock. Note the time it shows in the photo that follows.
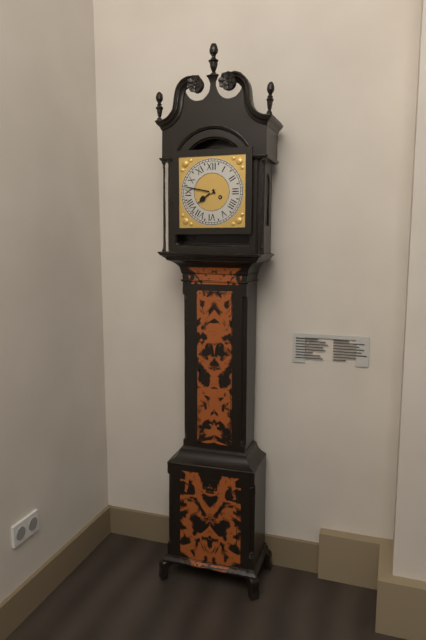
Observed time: 7:47
